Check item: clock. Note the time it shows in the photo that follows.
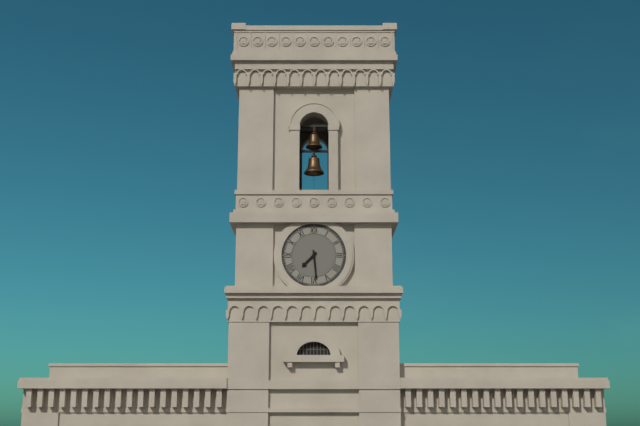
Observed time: 7:29
